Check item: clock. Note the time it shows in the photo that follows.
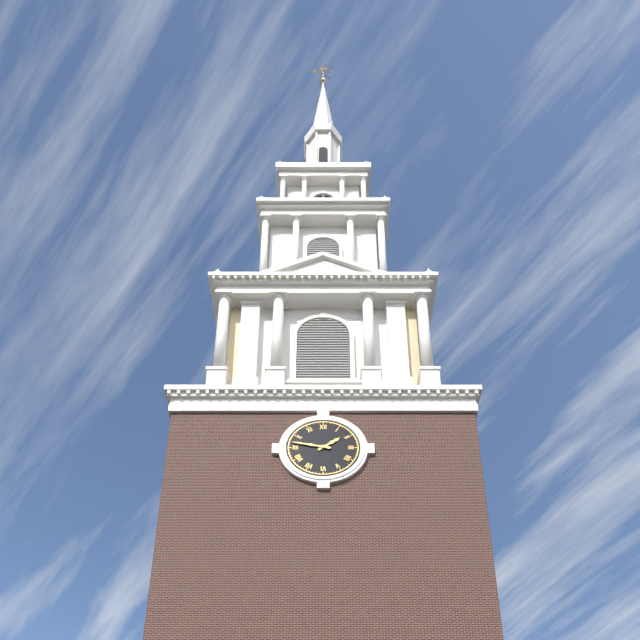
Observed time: 1:47
